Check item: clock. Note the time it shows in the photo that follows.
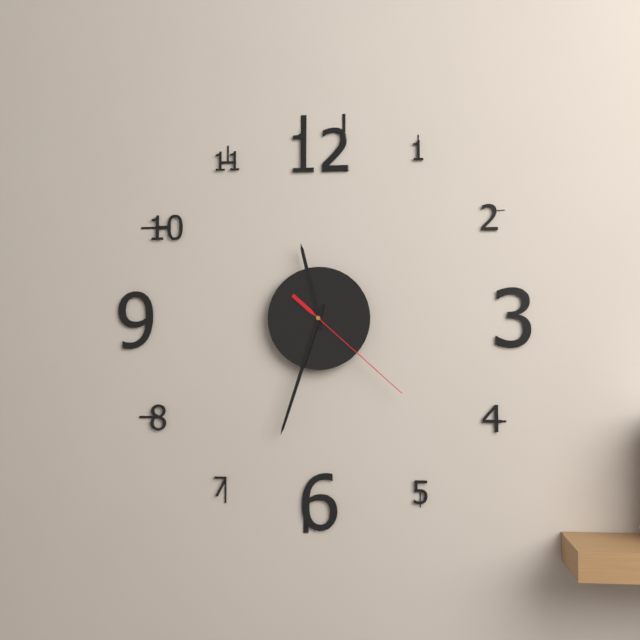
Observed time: 11:33:22
